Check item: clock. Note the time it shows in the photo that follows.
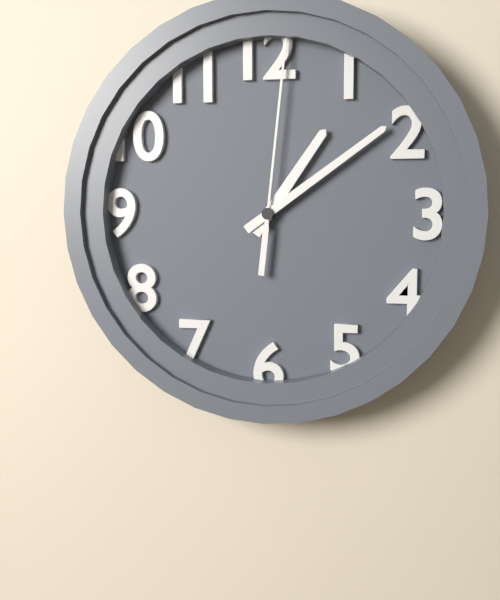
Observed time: 1:09:01
